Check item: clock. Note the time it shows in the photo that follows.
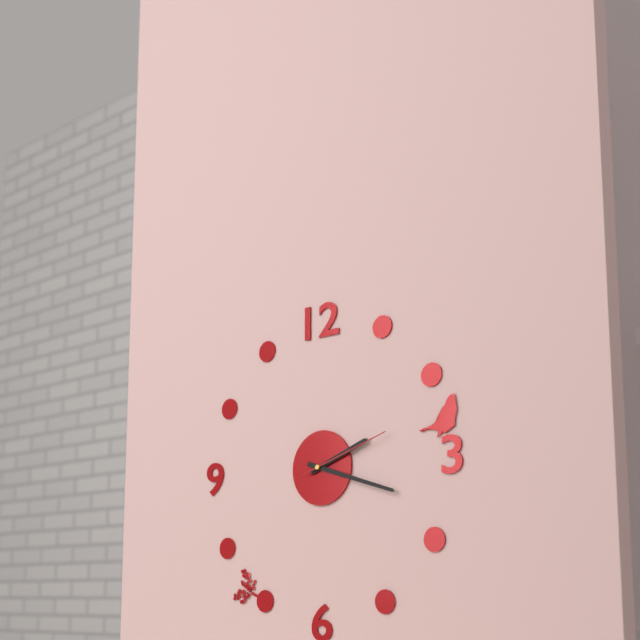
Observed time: 2:18:12
